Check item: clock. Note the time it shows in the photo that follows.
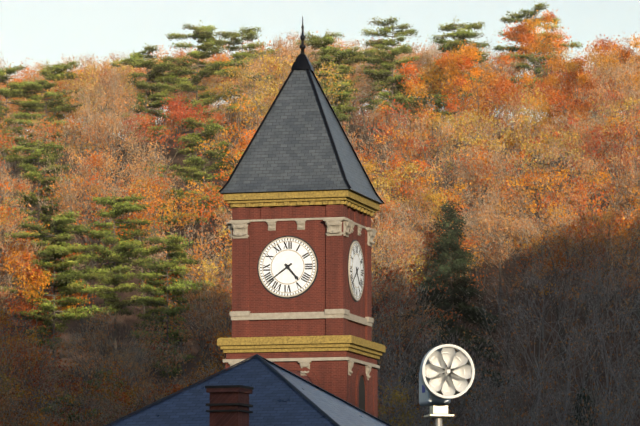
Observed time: 4:39
